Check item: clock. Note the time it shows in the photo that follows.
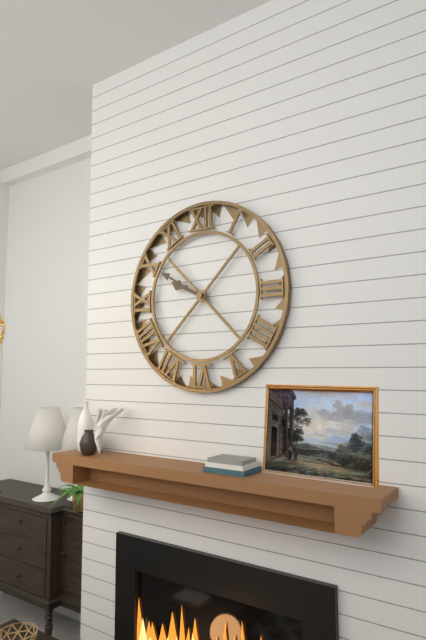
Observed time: 9:50
